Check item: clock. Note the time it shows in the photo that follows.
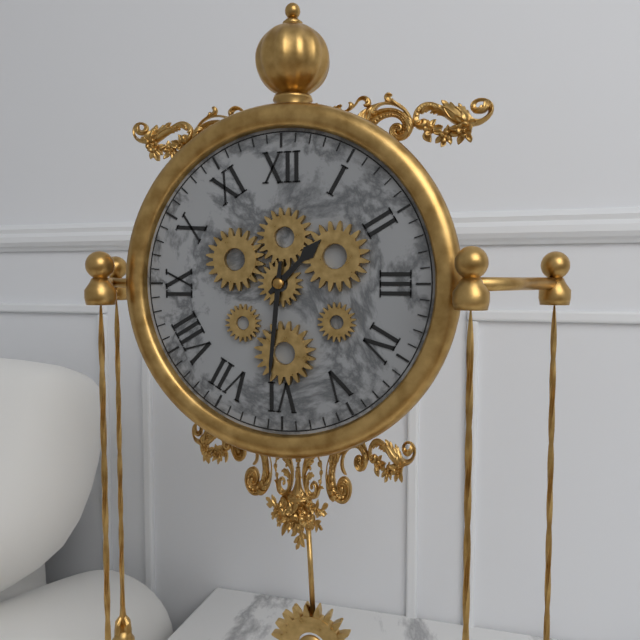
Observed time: 1:31
